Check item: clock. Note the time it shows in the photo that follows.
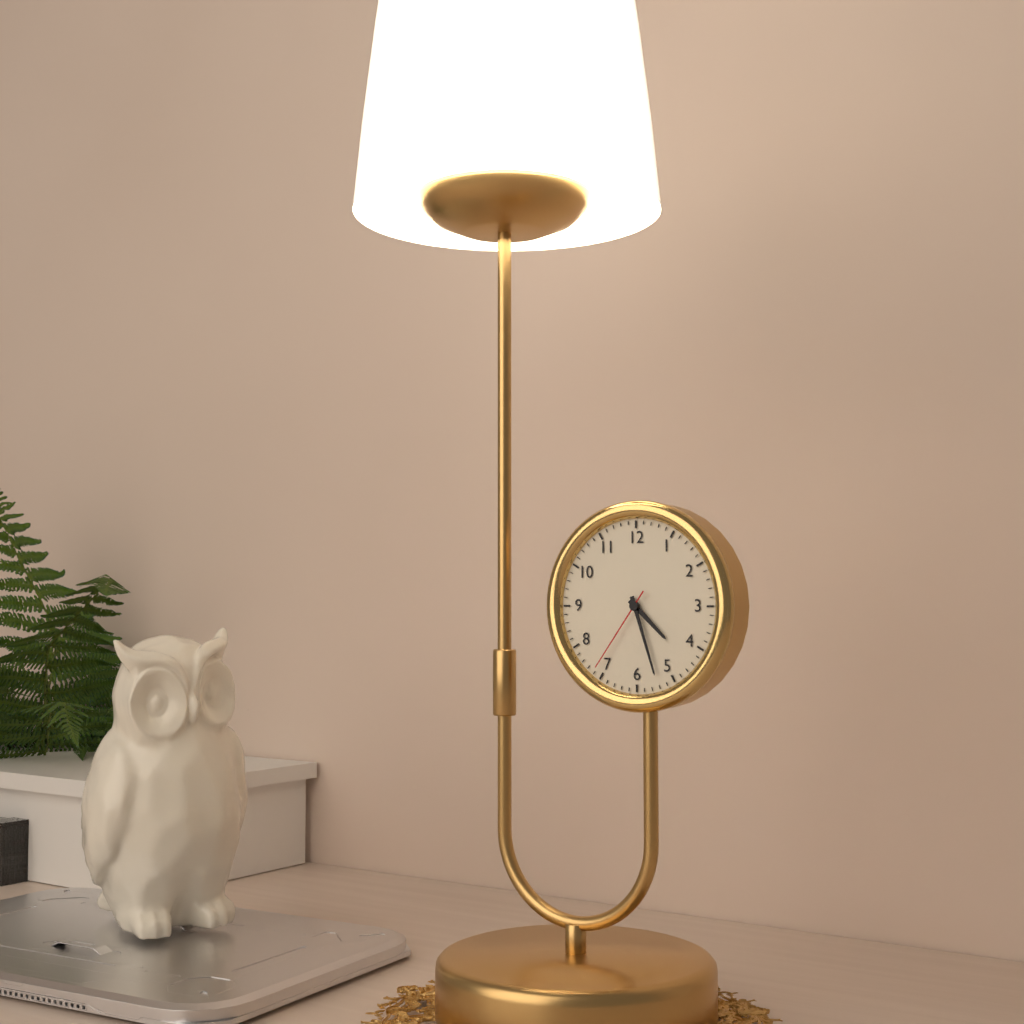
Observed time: 4:27:36
